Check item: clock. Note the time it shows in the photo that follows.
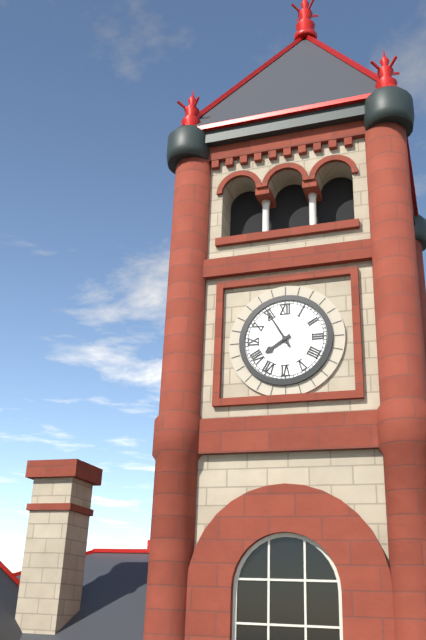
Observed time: 7:55
